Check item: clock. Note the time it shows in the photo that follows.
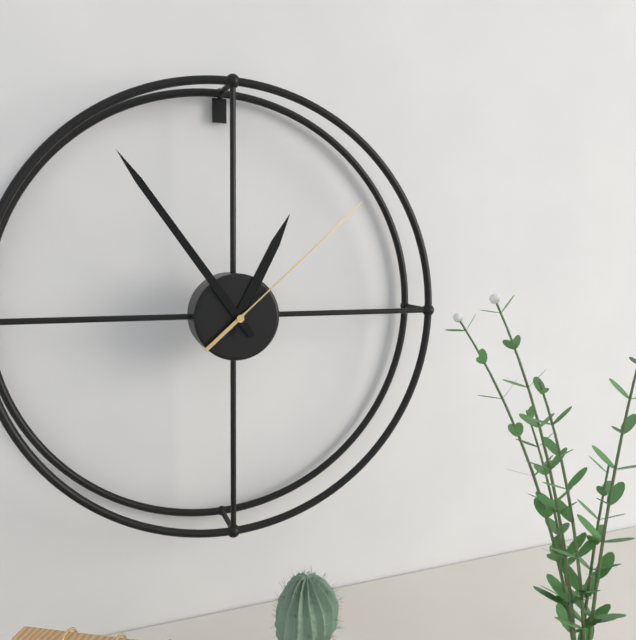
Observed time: 12:54:08
